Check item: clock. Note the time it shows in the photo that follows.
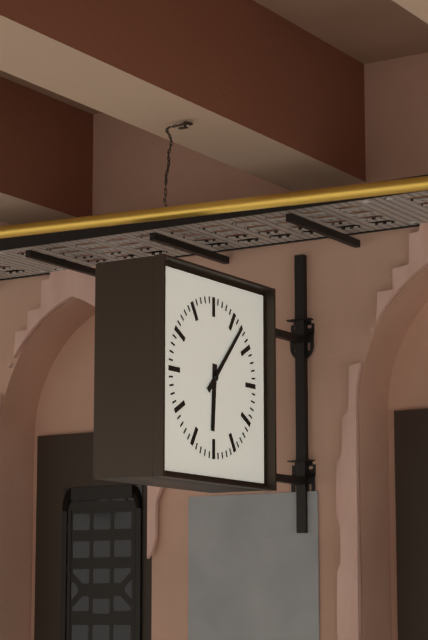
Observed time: 6:07
